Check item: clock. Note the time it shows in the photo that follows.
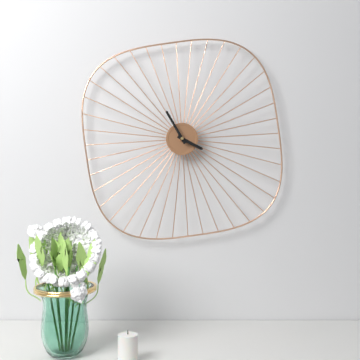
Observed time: 3:55
